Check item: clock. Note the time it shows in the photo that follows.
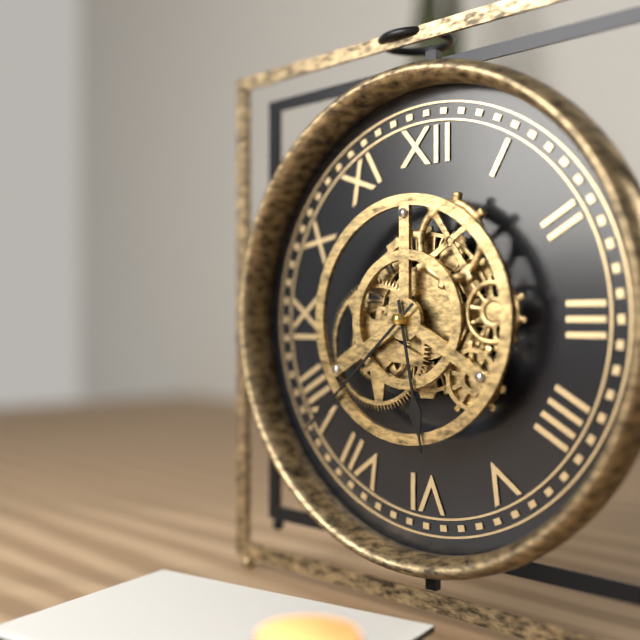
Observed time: 5:38
